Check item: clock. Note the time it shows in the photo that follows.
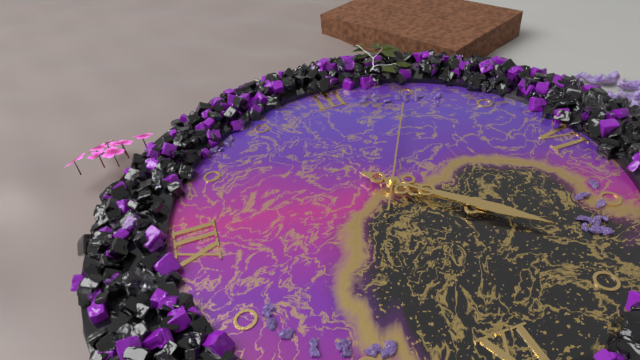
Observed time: 7:38:20
